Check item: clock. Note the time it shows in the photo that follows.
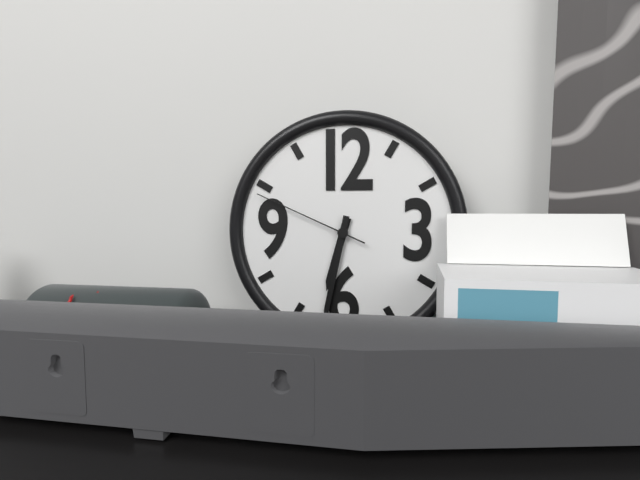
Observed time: 6:32:49
